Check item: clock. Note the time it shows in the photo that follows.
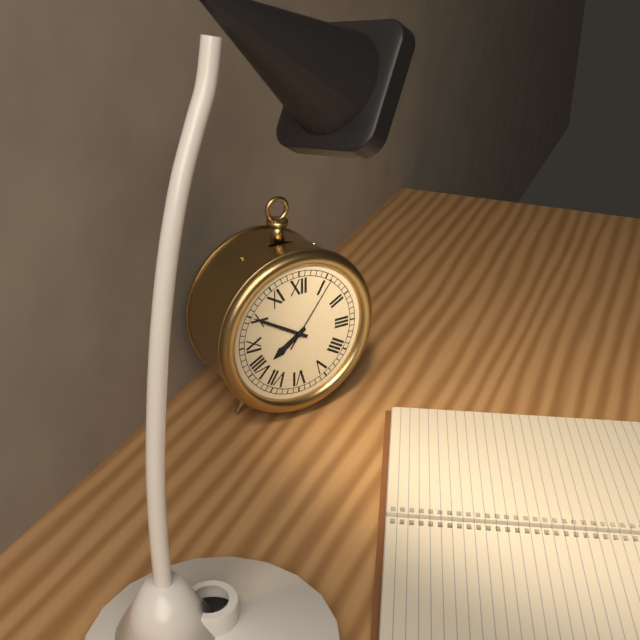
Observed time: 7:50:06
